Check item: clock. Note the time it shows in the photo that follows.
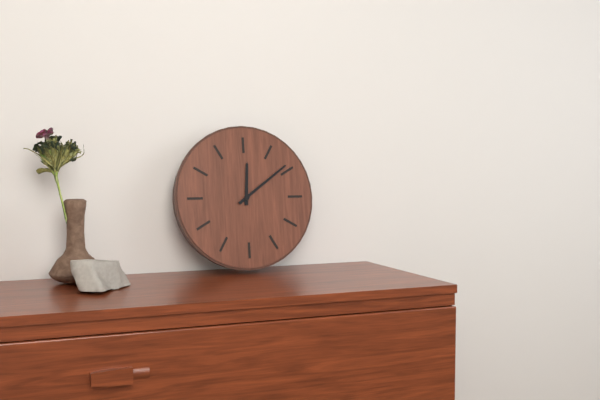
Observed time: 12:09
